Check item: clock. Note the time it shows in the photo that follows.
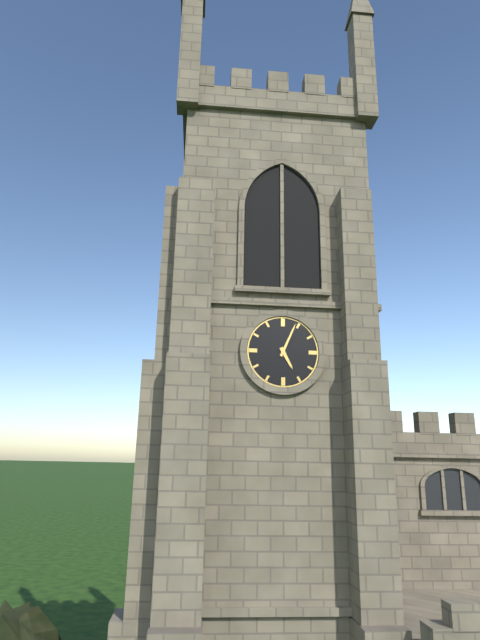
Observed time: 5:04
